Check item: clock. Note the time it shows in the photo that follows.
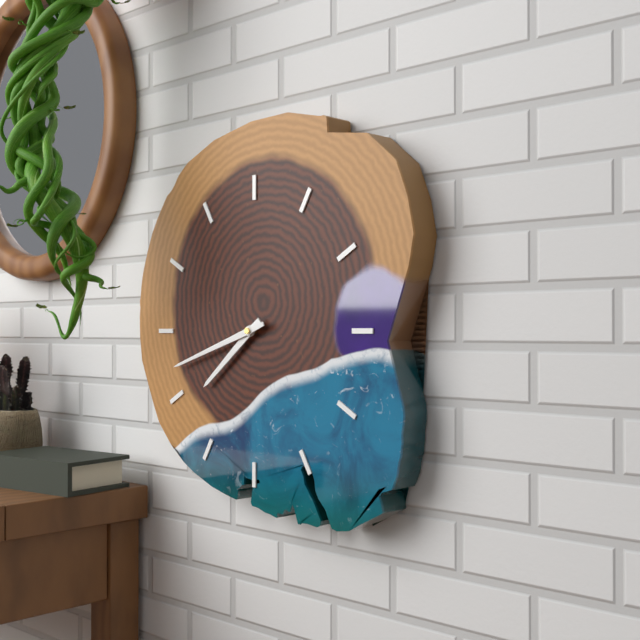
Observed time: 7:42
